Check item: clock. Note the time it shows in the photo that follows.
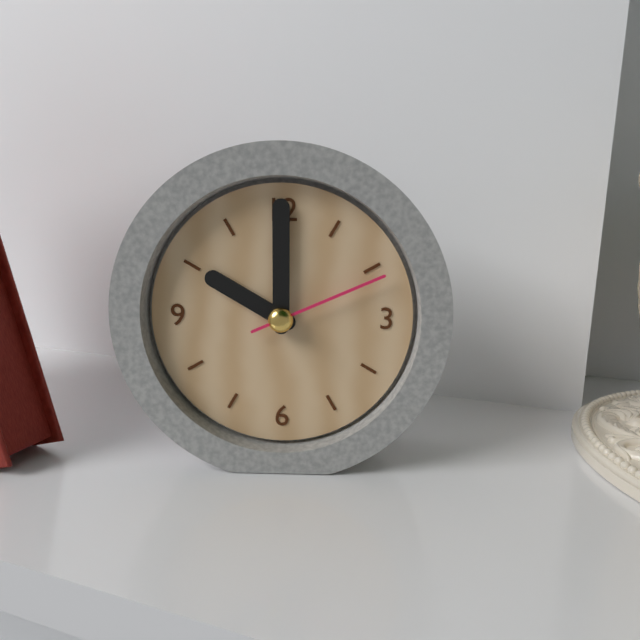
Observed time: 10:00:11
